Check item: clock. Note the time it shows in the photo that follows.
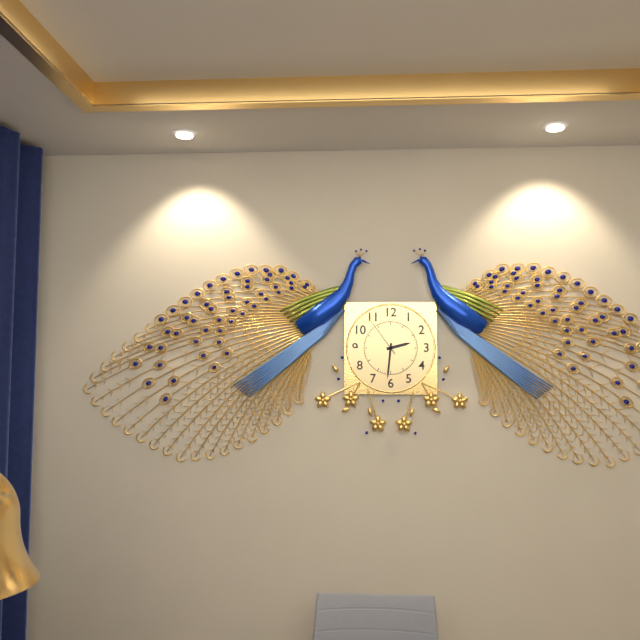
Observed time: 2:31
